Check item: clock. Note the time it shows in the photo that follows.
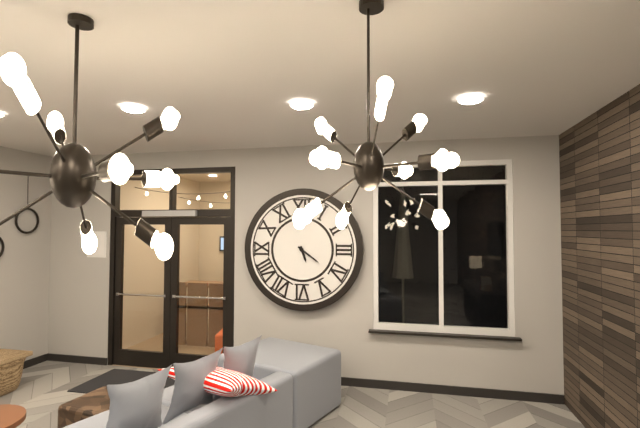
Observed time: 5:21
